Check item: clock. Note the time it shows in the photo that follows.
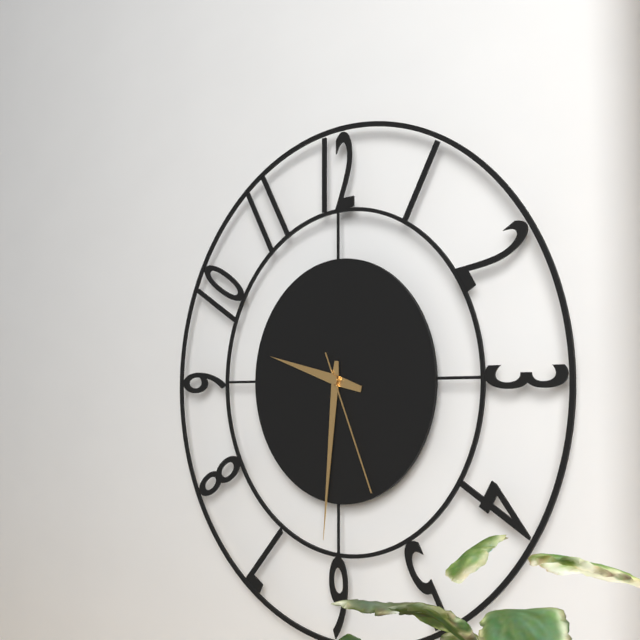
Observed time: 9:31:26
